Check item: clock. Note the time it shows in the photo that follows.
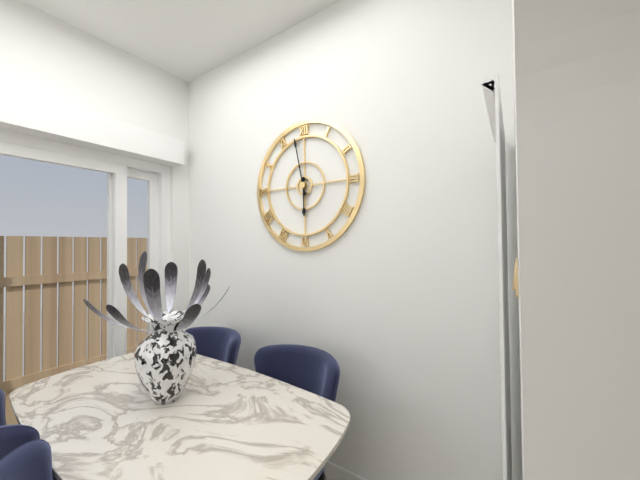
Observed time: 5:58
